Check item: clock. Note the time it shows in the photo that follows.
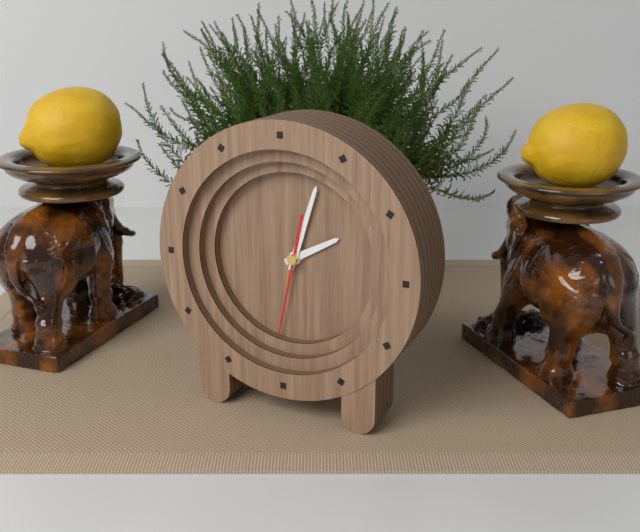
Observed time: 2:03:32
